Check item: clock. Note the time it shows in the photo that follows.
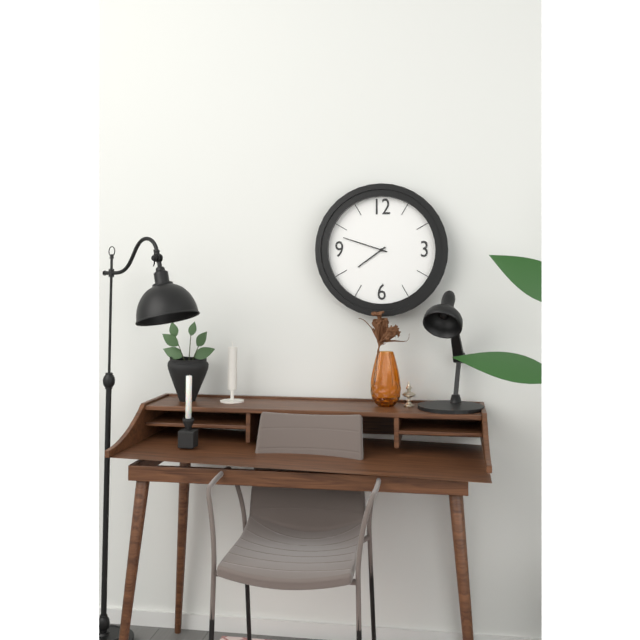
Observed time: 7:48
